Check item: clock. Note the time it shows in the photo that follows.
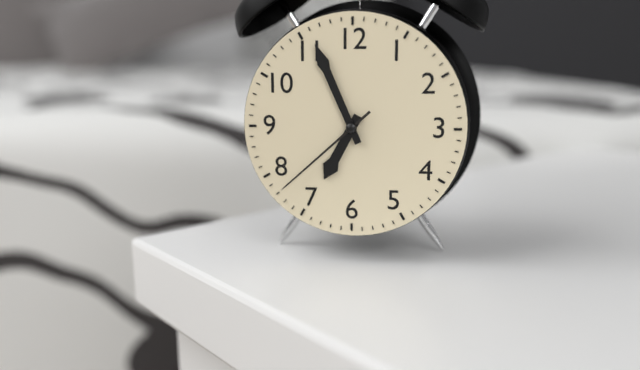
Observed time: 6:56:38
